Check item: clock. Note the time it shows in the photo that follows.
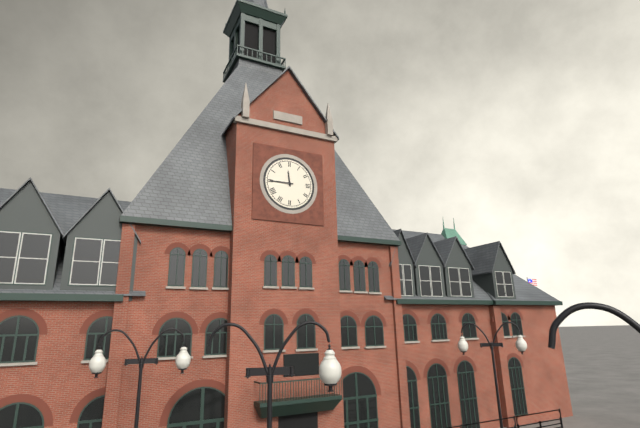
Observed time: 11:45
